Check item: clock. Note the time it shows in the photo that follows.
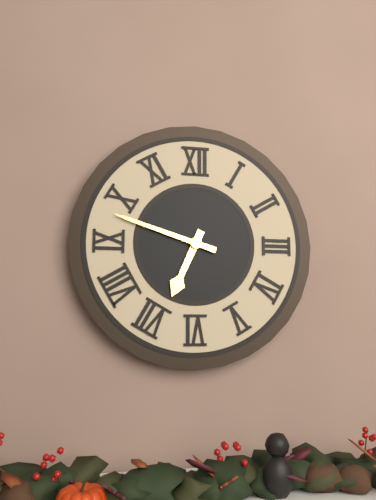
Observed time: 6:48
